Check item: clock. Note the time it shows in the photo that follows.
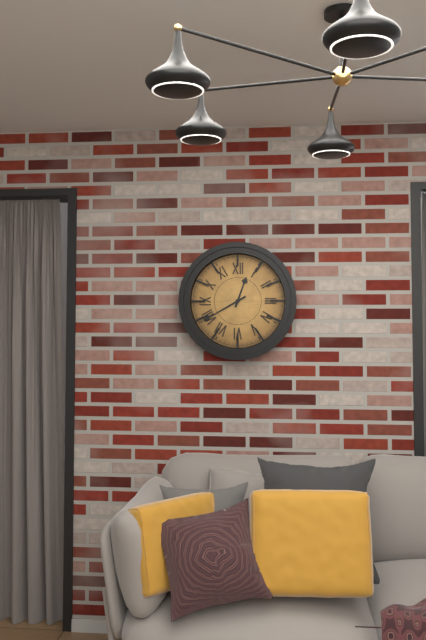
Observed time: 12:40
